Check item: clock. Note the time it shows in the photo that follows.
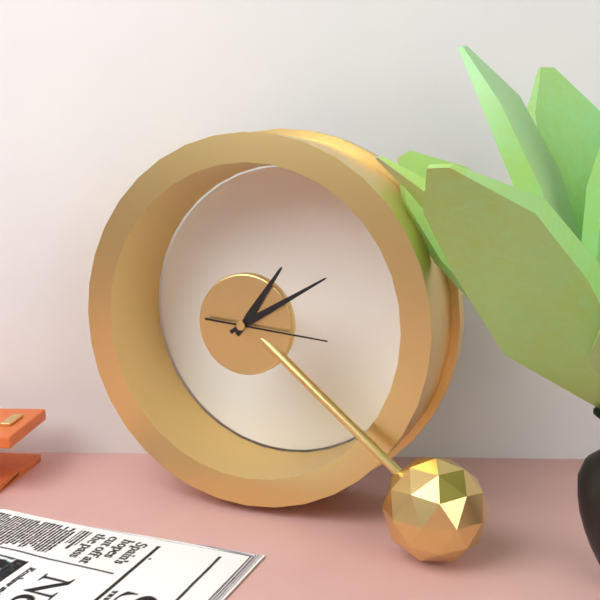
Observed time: 1:10:16
